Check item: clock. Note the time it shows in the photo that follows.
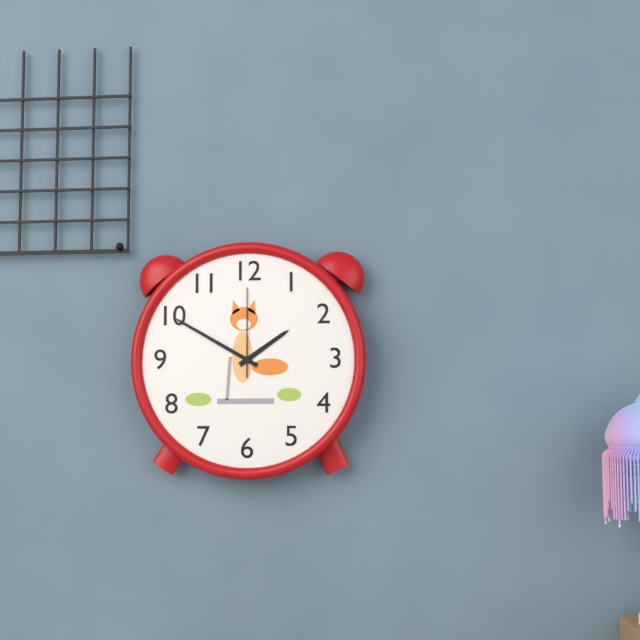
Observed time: 1:50:00
